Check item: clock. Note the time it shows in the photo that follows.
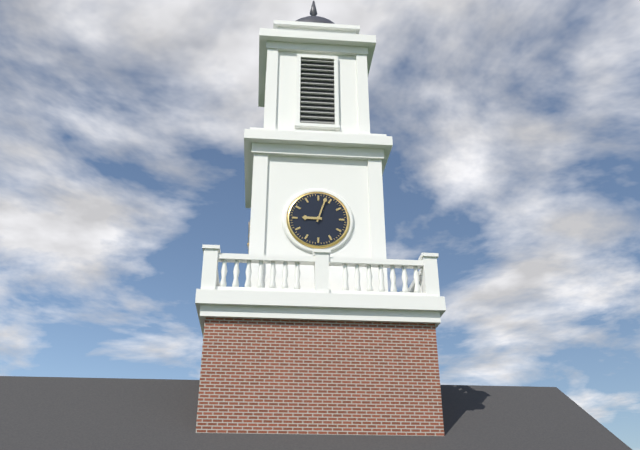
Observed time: 9:03
